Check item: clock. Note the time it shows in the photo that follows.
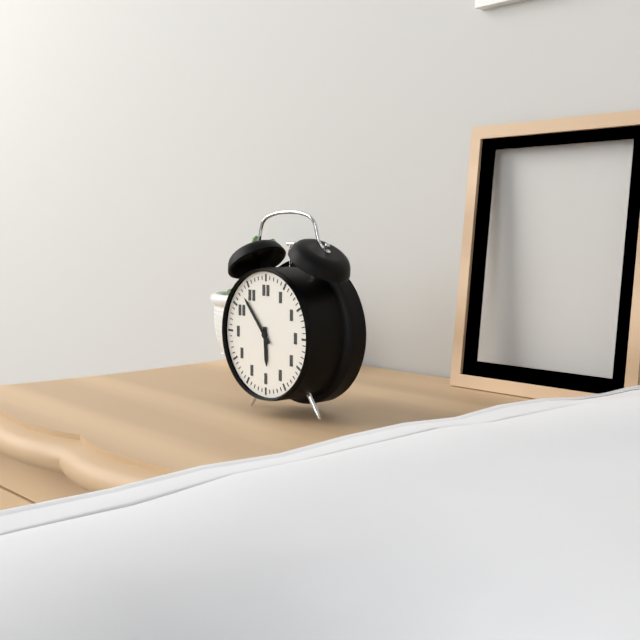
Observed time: 5:53
